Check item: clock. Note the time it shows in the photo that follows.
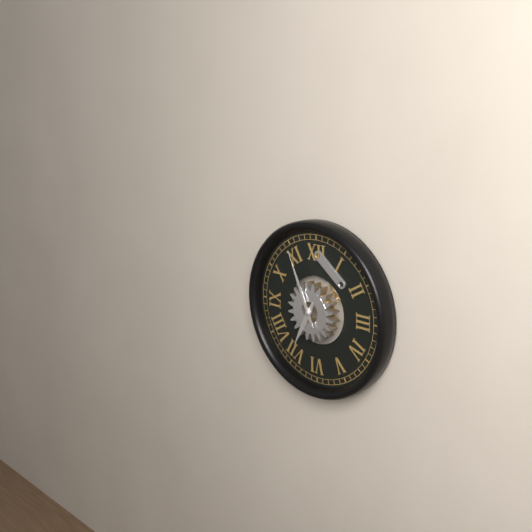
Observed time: 6:56
